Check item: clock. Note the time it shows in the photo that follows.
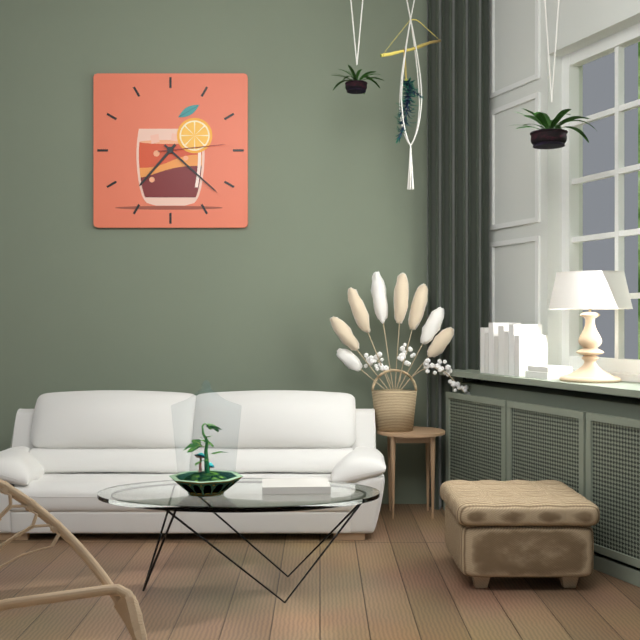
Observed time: 7:22:14
